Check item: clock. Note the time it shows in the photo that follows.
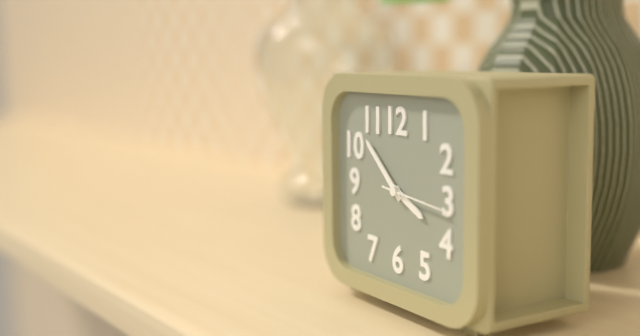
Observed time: 3:52:16
